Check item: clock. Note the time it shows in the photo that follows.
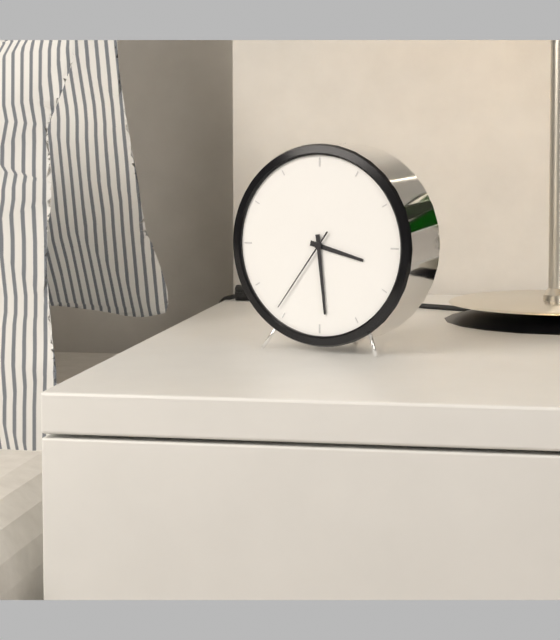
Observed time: 3:29:36
